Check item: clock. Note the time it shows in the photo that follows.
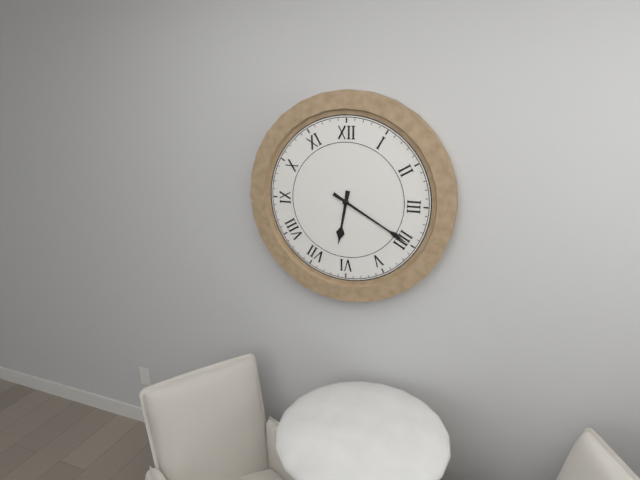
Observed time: 6:20
